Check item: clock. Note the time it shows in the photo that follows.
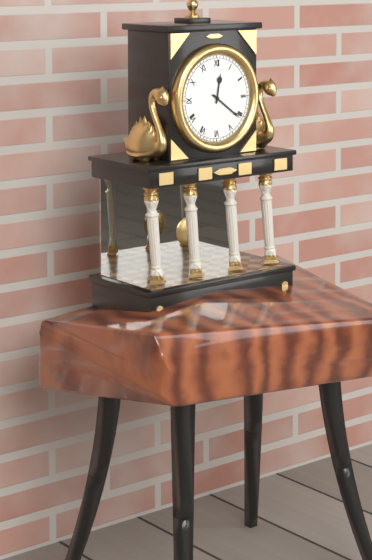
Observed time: 12:21
